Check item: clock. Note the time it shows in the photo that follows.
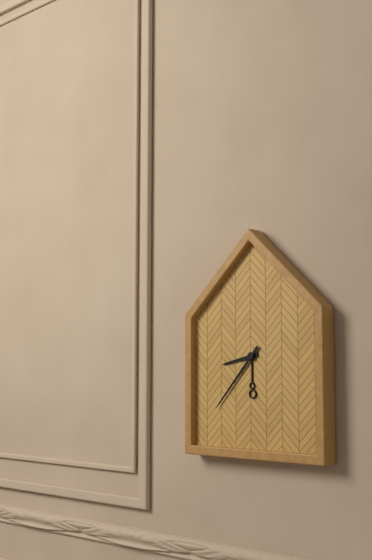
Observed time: 8:37
